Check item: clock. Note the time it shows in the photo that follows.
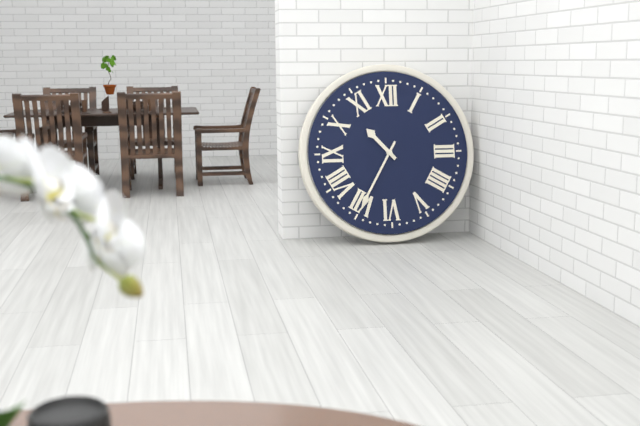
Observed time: 10:35
